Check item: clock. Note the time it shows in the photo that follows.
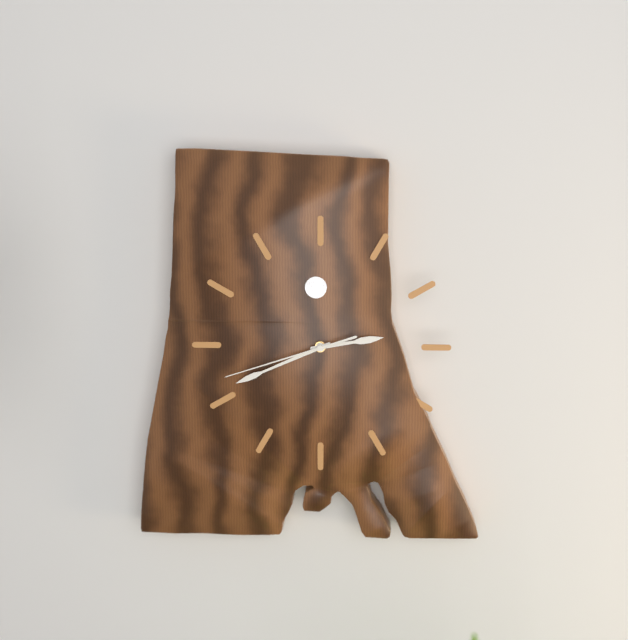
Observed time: 2:41:42
